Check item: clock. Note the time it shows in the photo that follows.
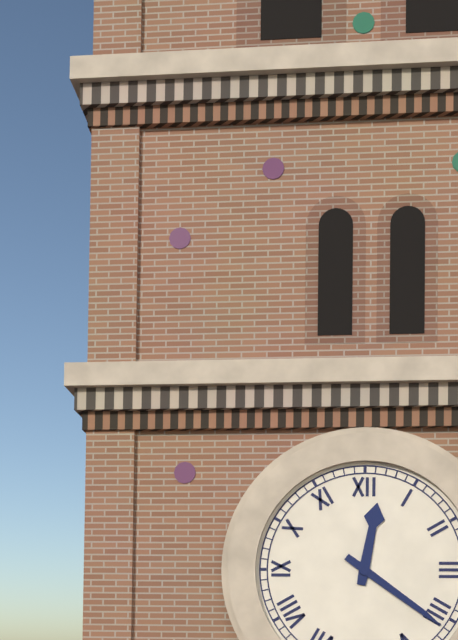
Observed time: 12:21
